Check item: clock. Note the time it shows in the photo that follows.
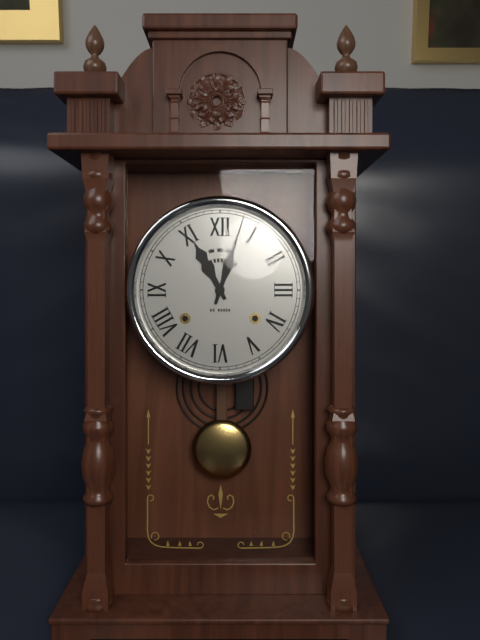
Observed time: 11:03
